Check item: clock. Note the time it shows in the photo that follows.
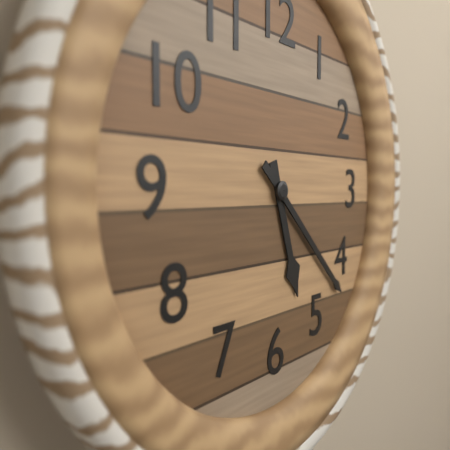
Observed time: 5:22
